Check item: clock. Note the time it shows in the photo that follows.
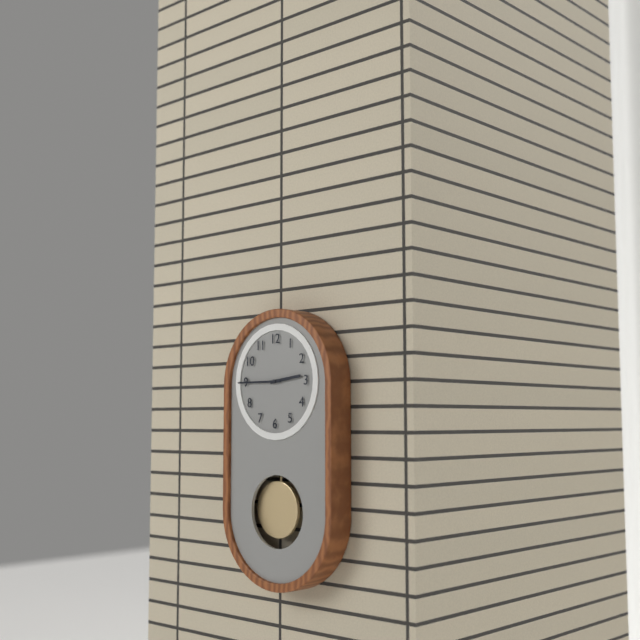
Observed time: 2:45
